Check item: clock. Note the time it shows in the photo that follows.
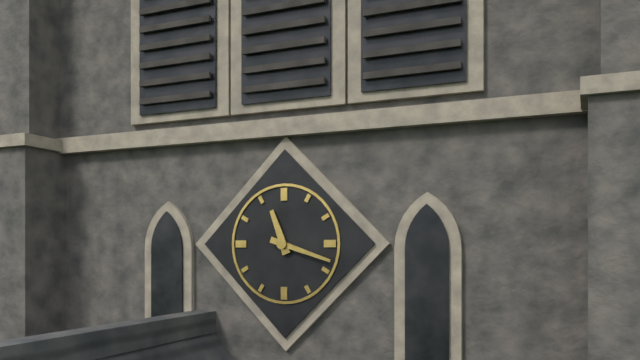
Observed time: 11:18
